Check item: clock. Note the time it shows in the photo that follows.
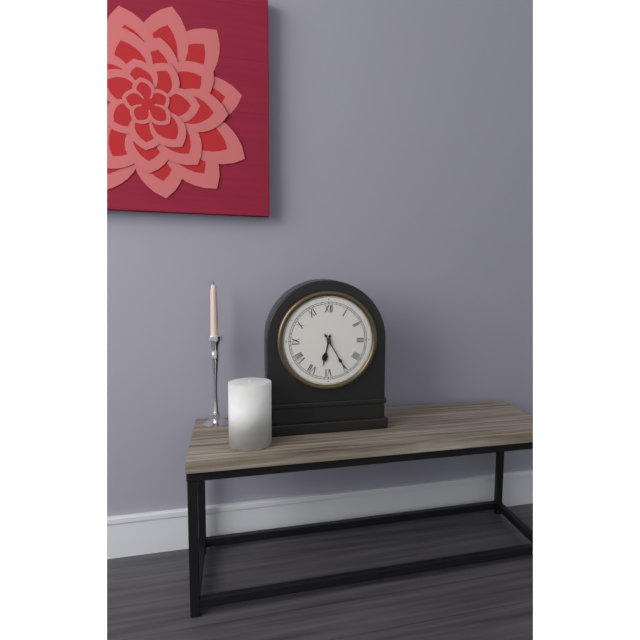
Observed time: 6:25
